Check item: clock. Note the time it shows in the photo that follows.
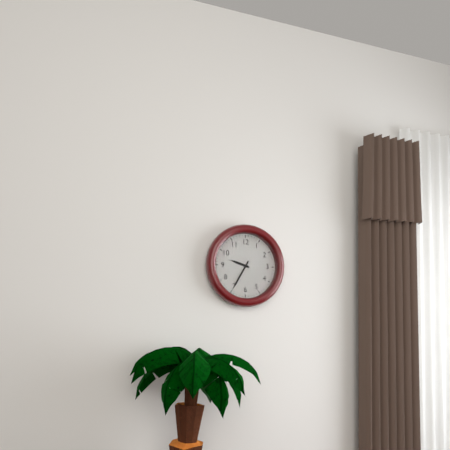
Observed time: 9:35
